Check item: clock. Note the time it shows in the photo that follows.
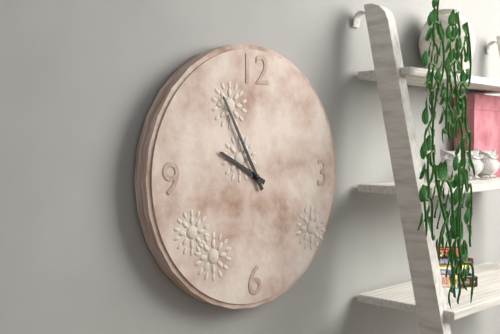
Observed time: 9:55
